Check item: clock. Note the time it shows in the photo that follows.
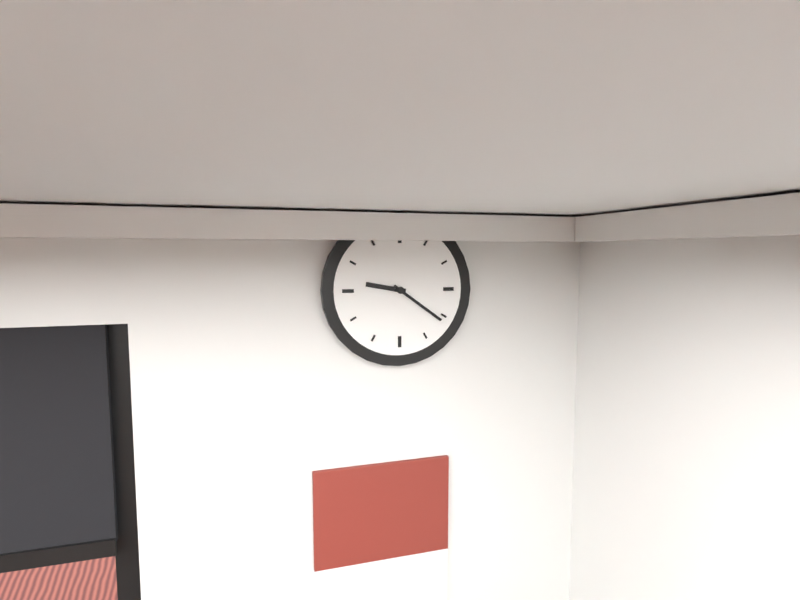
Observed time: 9:21
